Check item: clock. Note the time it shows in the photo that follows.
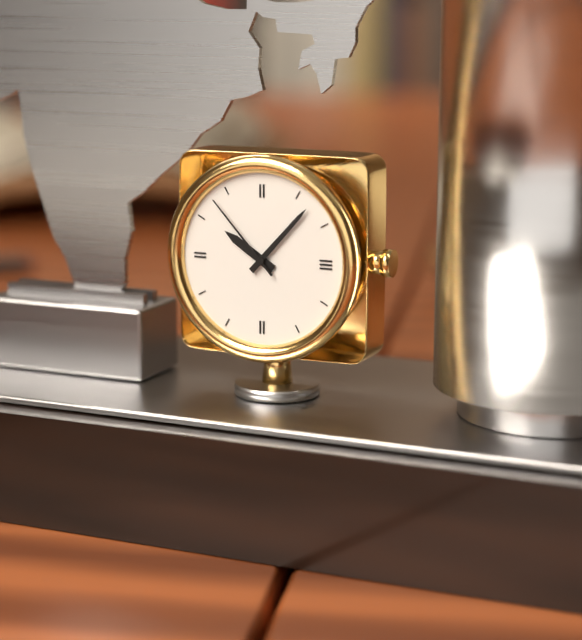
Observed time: 10:07:53
